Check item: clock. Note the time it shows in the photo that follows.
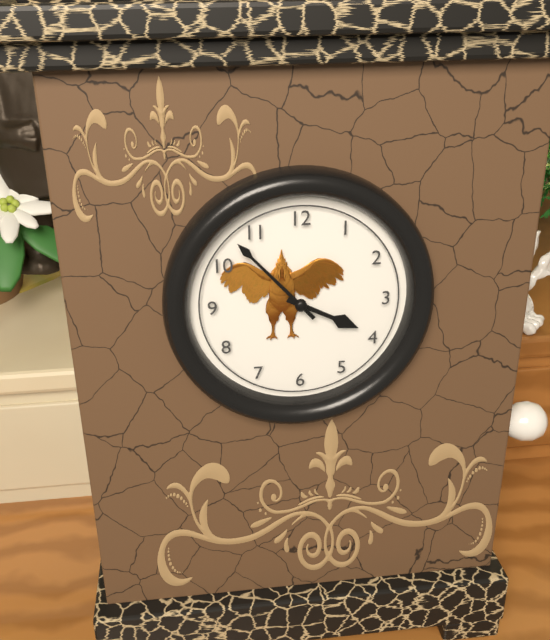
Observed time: 3:53
